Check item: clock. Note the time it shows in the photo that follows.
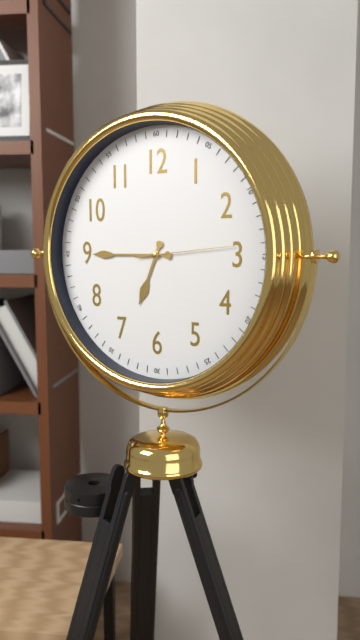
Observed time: 6:45:14
